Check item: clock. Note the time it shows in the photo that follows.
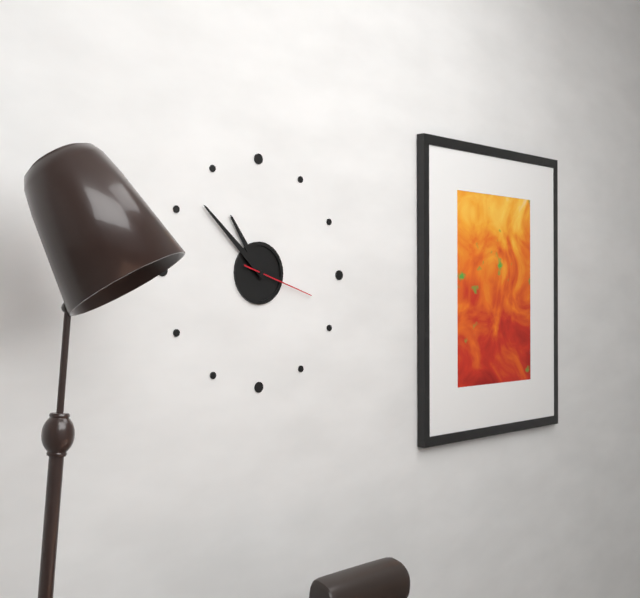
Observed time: 10:52:18
